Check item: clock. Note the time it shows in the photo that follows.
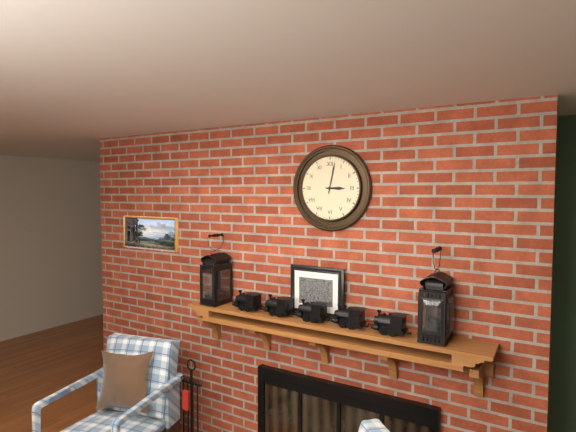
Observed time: 3:02
